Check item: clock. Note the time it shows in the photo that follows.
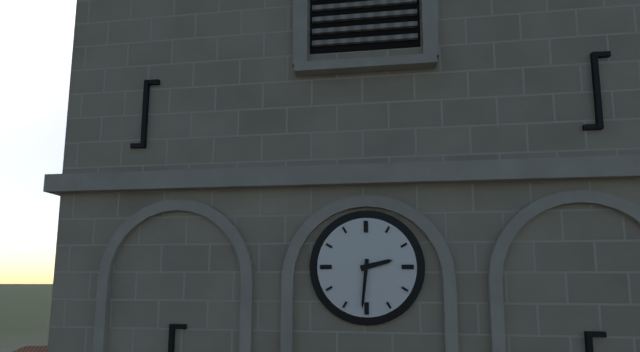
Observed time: 2:31
